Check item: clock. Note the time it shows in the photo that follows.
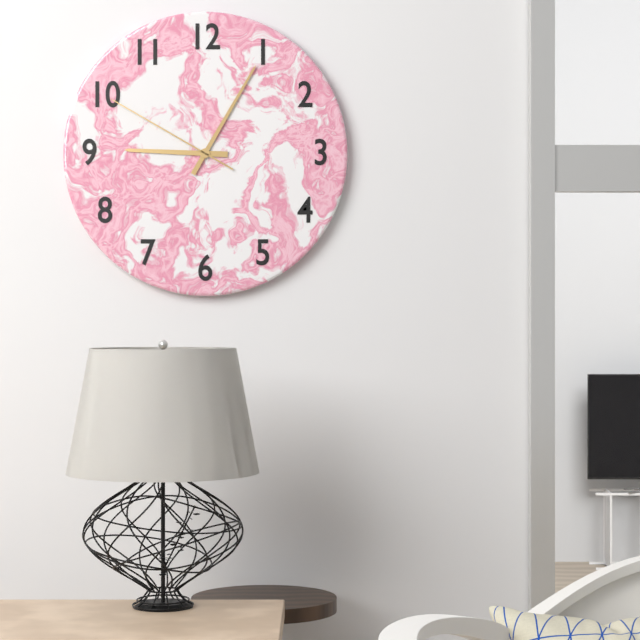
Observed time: 9:05:50
